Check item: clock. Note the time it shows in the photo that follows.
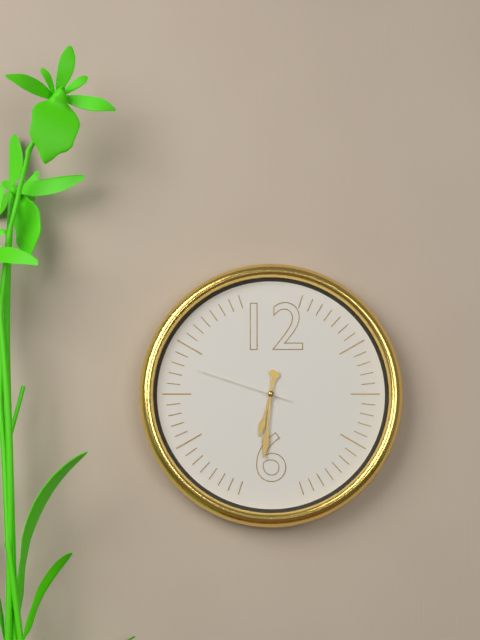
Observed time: 6:31:48
